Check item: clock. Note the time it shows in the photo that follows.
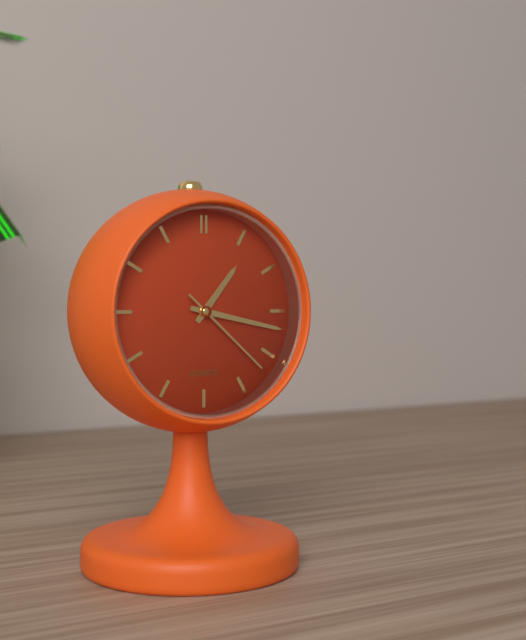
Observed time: 1:17:22
